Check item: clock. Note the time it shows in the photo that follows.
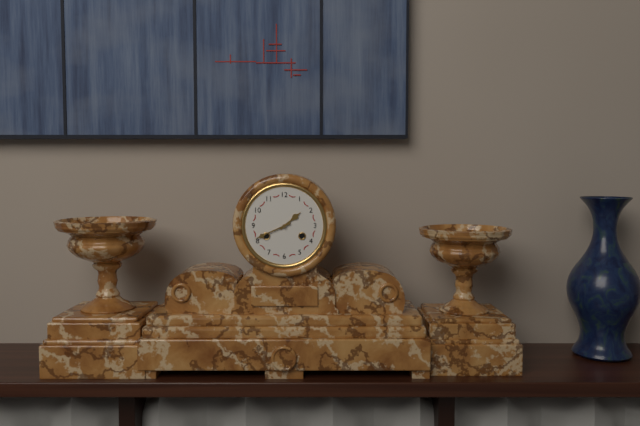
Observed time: 1:41
